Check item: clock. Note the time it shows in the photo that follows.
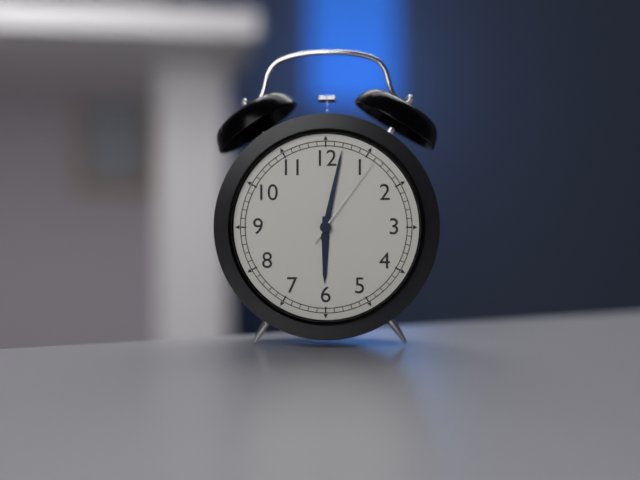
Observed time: 6:02:06
